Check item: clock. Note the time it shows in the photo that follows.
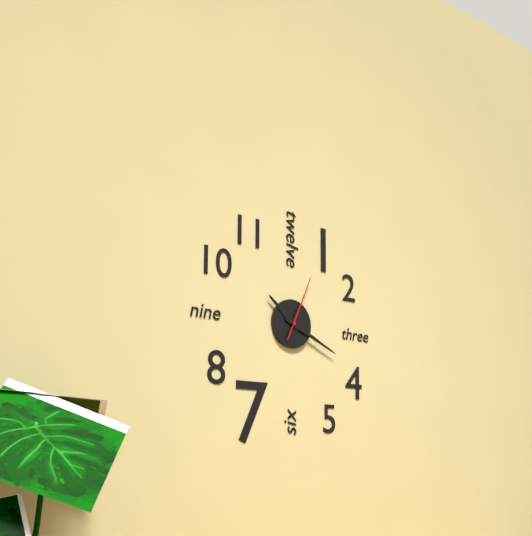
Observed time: 10:19:04
